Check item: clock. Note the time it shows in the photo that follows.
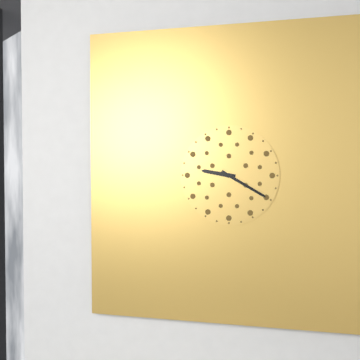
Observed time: 9:20
